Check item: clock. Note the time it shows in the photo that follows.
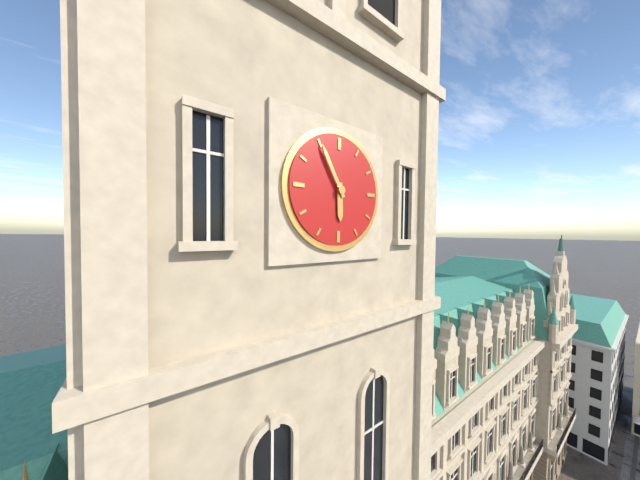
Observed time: 5:55
